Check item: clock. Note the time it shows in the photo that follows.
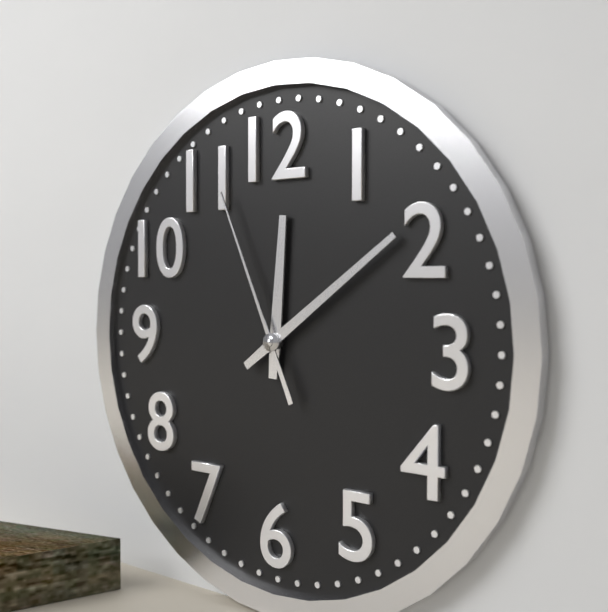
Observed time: 12:09:56
